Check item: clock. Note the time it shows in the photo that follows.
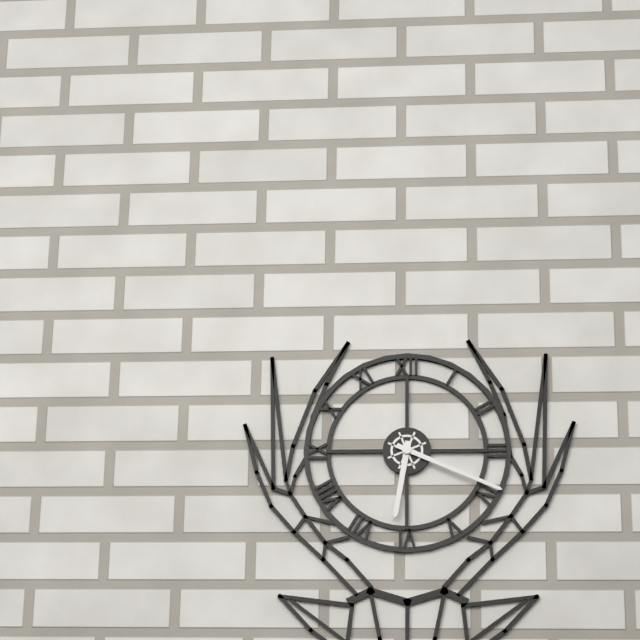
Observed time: 6:19
